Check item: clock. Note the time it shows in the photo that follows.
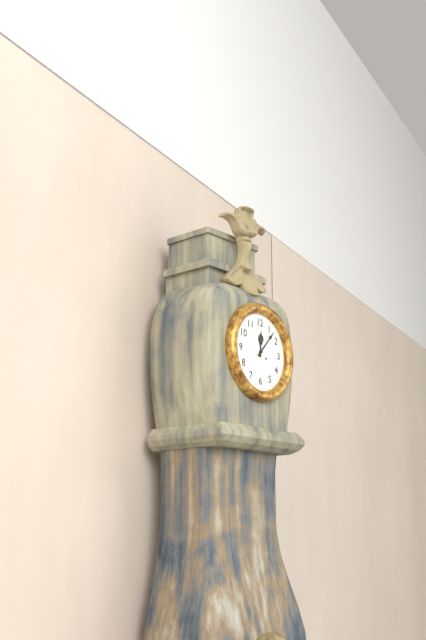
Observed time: 12:07
